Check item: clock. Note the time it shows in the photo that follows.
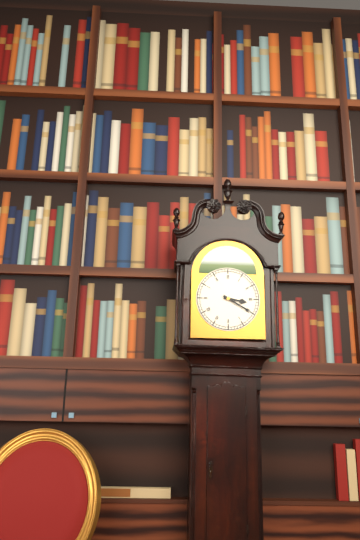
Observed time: 3:20
